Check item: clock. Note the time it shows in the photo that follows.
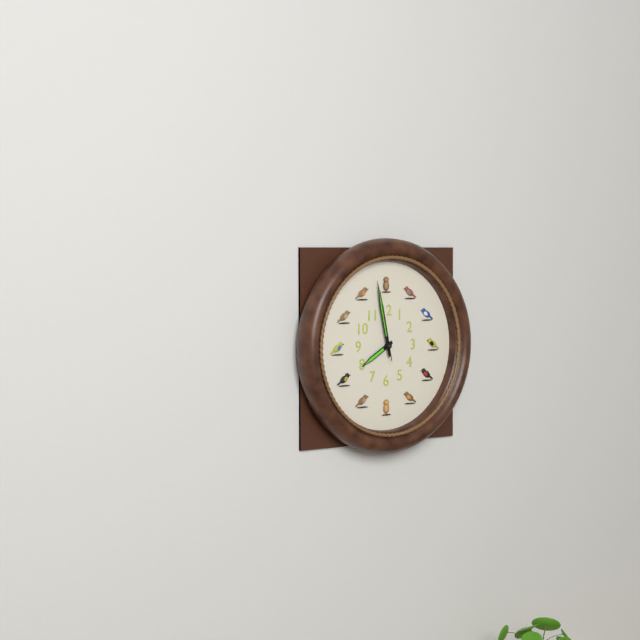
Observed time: 7:58:58
